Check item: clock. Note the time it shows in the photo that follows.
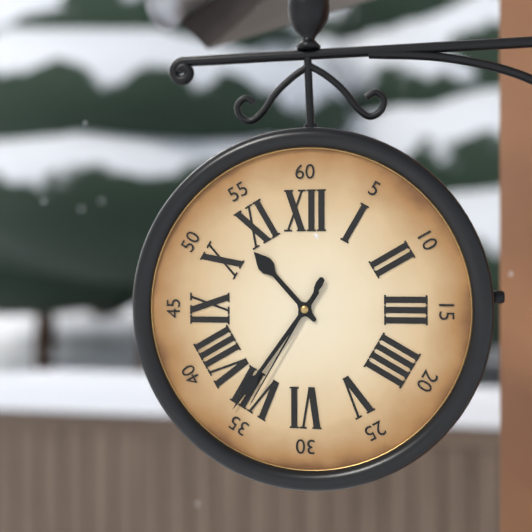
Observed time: 10:36:35
